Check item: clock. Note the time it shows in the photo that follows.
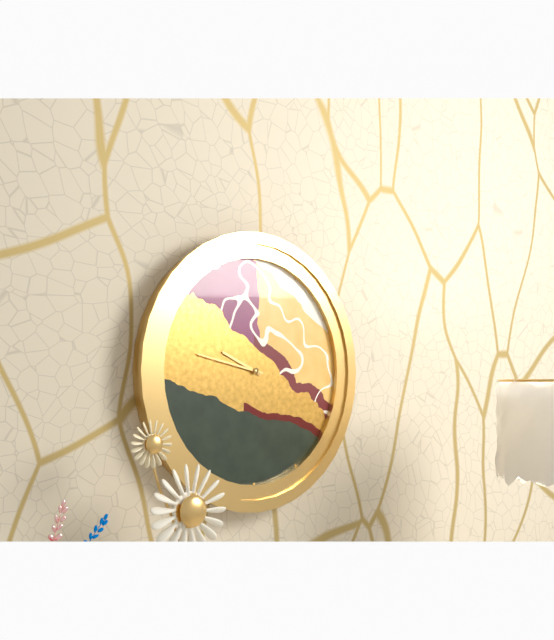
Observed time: 9:47
